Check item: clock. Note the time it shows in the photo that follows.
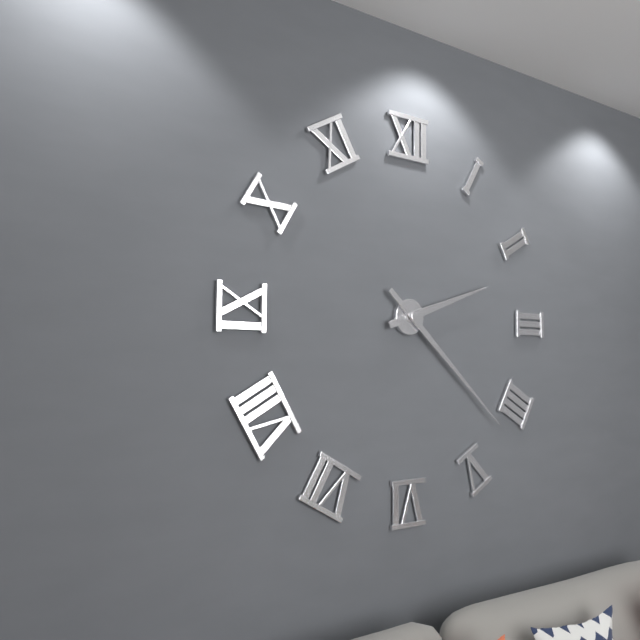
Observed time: 2:22
